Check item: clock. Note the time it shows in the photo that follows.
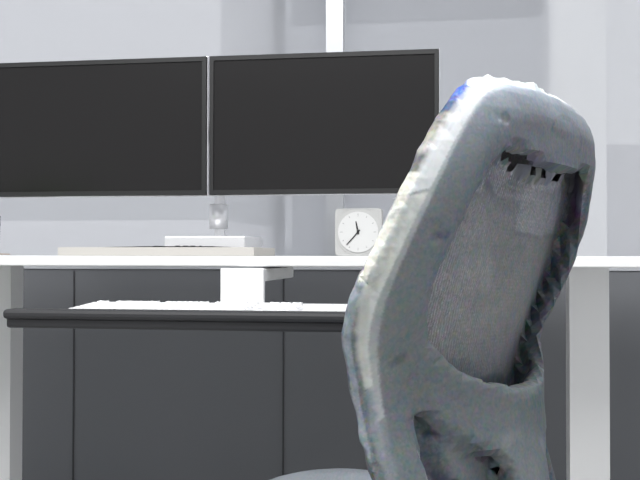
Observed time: 11:37
